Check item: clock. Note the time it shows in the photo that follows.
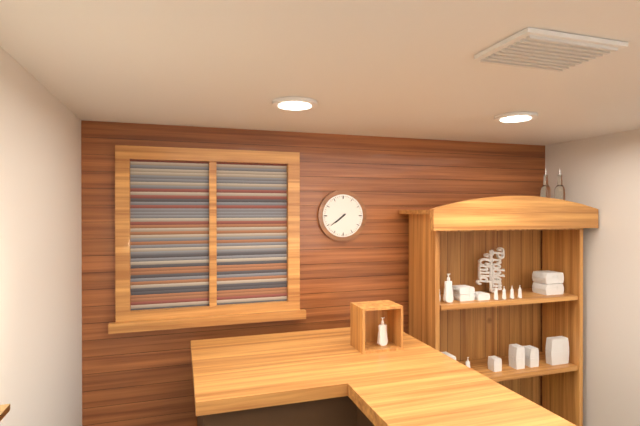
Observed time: 7:39
